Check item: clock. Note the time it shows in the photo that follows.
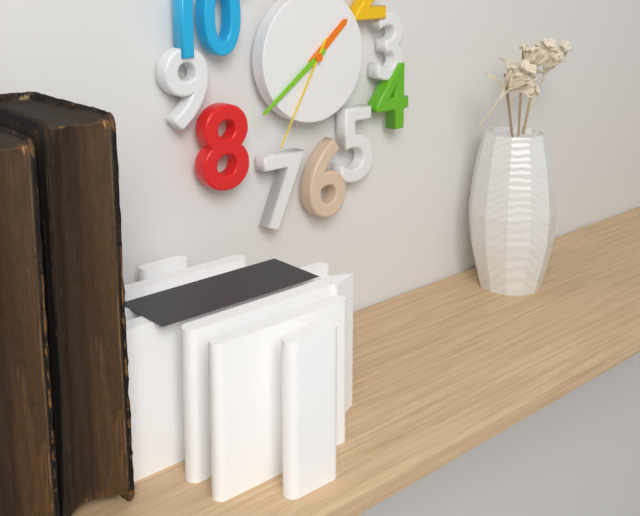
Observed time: 1:39:35
